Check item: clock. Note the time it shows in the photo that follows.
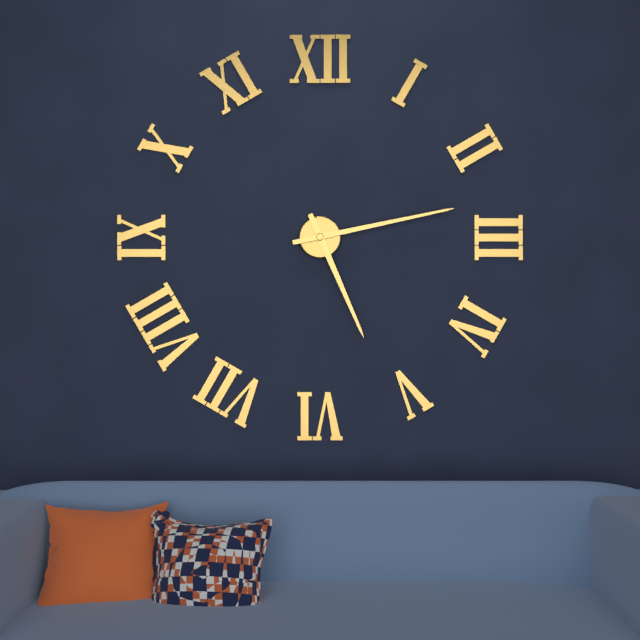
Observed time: 5:13
